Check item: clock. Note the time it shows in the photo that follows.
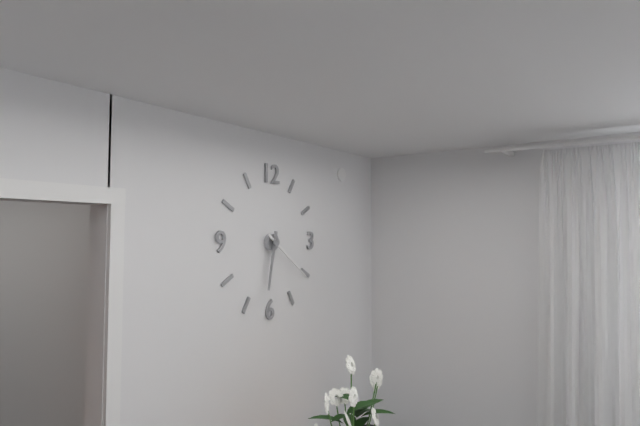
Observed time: 6:21
